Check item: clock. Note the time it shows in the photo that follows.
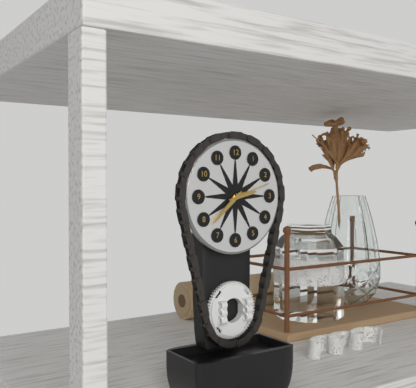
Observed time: 2:38
